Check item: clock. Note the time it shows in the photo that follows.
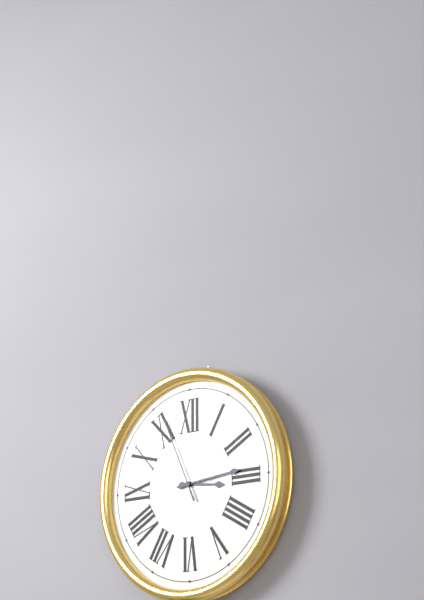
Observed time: 3:14:56
